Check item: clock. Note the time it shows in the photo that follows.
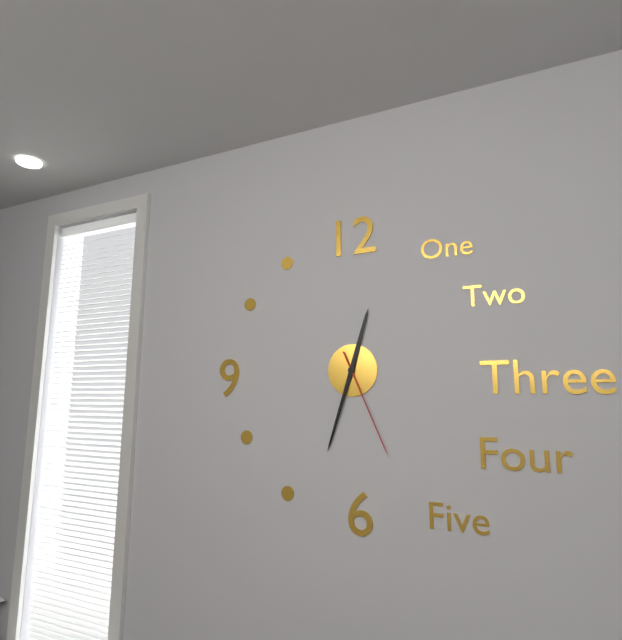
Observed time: 12:33:26
